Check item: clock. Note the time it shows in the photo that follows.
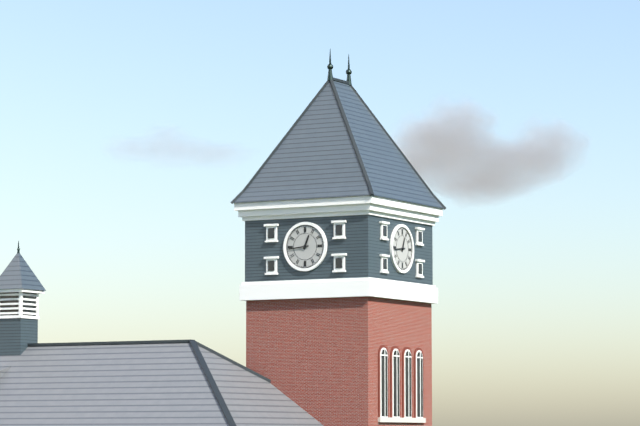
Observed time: 12:44
